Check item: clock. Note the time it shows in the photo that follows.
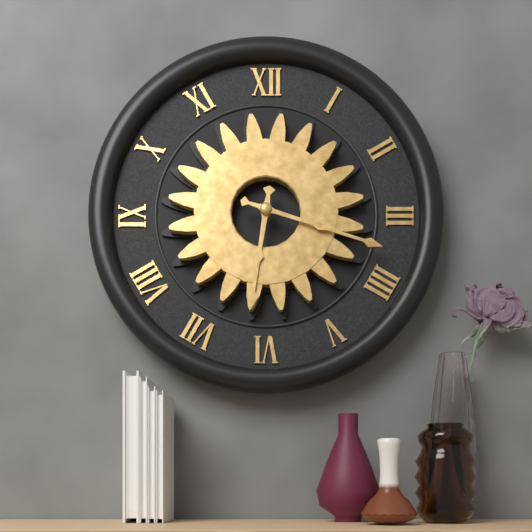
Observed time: 6:18
